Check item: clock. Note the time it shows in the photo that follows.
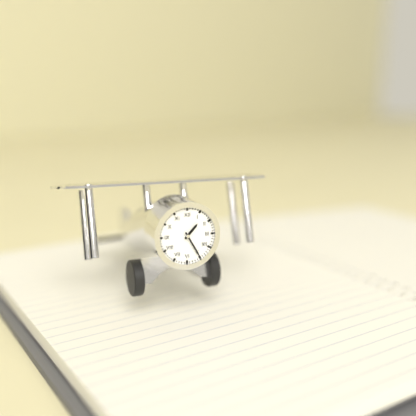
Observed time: 1:25
